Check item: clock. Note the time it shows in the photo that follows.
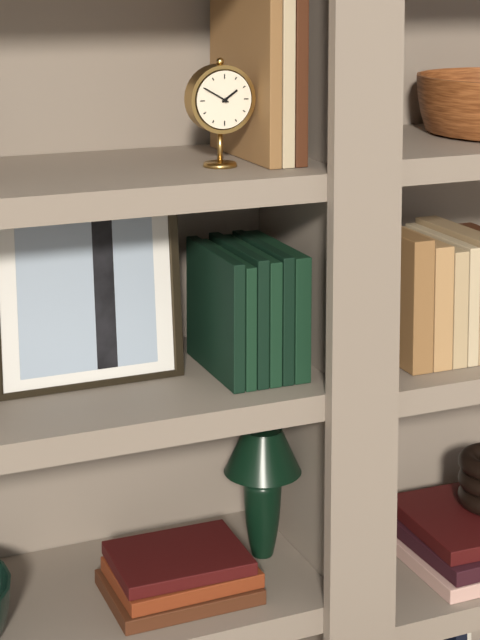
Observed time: 1:50
